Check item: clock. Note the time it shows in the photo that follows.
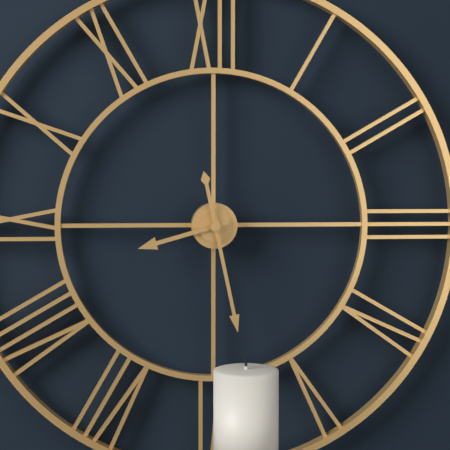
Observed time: 8:28
